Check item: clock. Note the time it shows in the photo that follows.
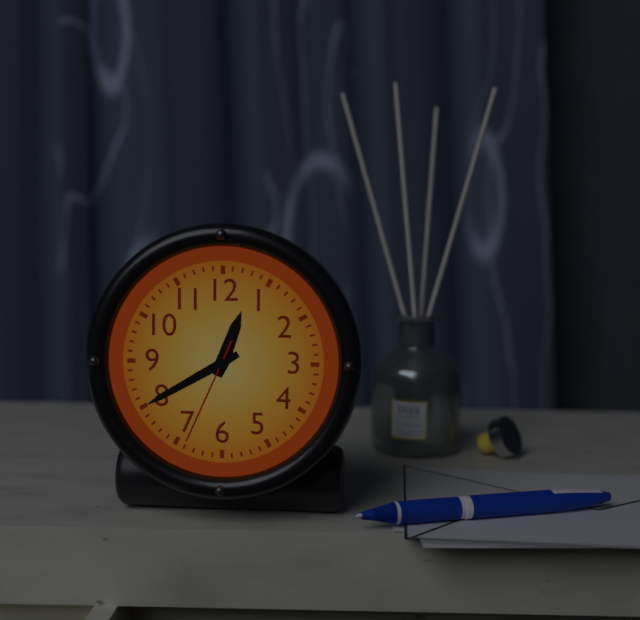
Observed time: 12:40:34
